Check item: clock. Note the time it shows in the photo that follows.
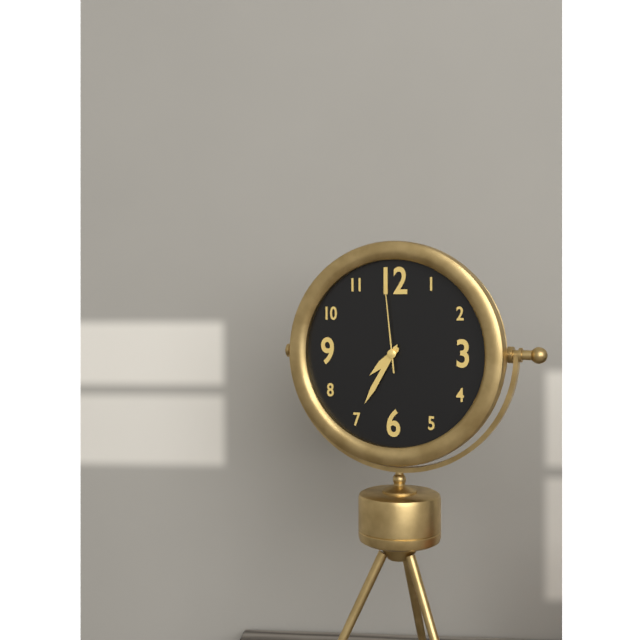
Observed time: 7:35:59
